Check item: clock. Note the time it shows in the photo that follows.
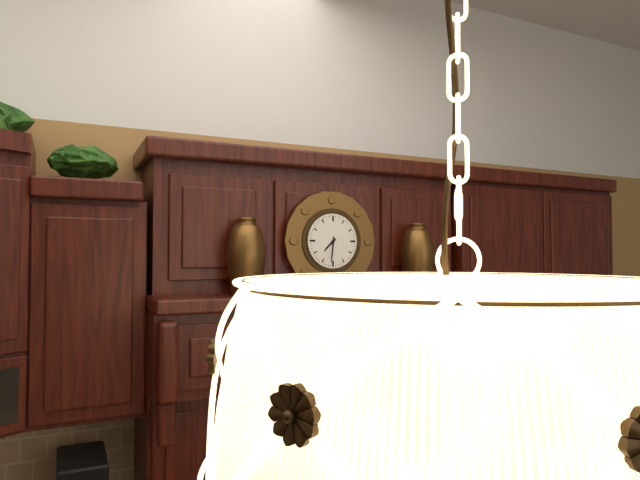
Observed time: 7:31
